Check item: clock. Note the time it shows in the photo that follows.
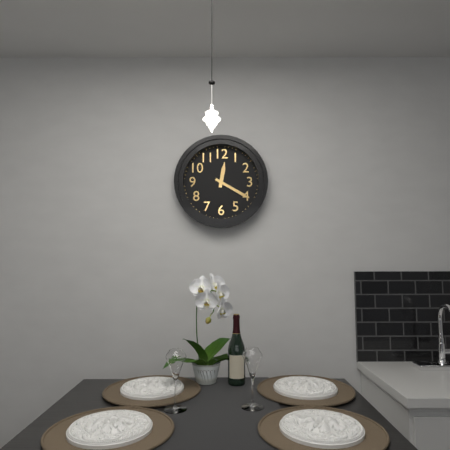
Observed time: 12:20
